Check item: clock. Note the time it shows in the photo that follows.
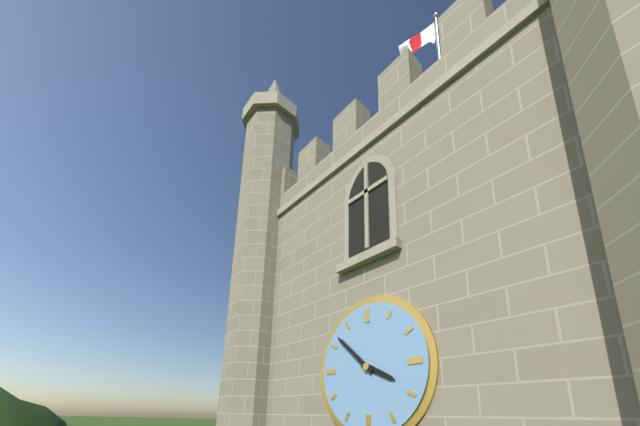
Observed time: 3:52
